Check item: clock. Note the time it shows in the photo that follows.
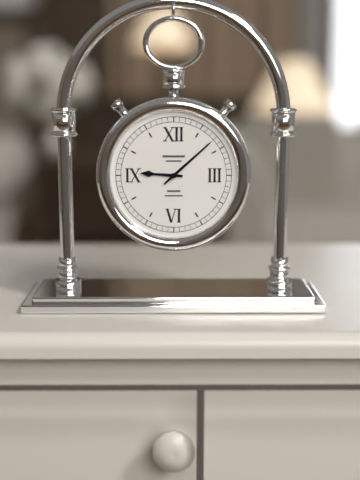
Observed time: 9:08
